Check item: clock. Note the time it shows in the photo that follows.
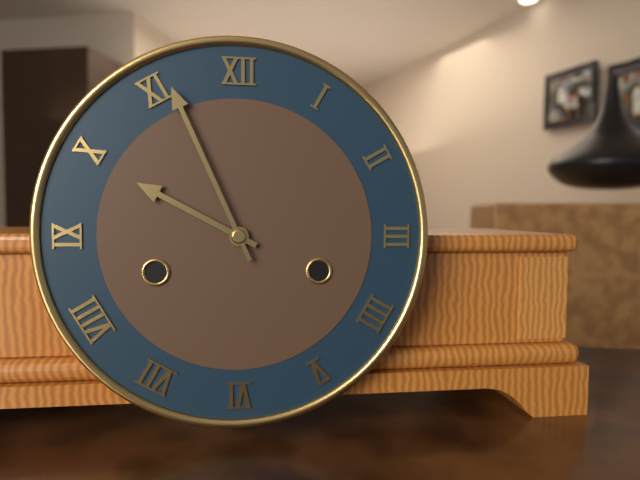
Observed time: 9:56
